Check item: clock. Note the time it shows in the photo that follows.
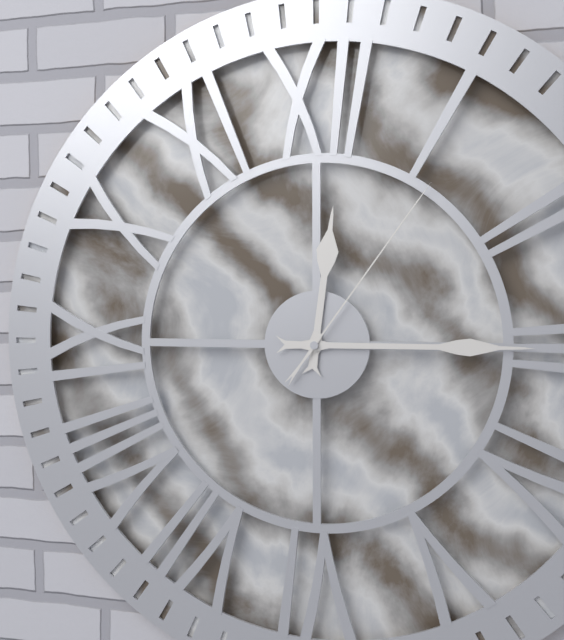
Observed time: 12:15:06
